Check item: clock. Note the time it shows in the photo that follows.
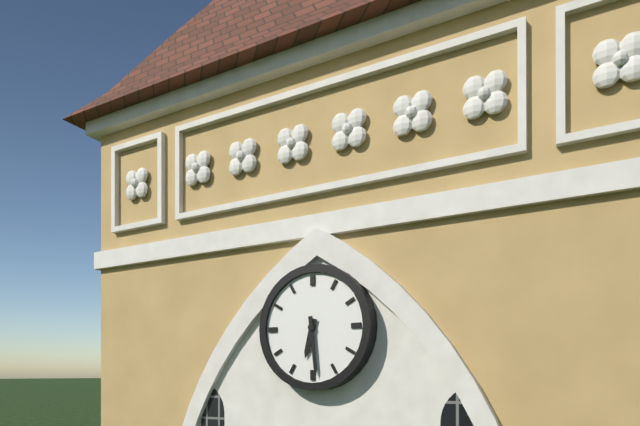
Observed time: 6:29
